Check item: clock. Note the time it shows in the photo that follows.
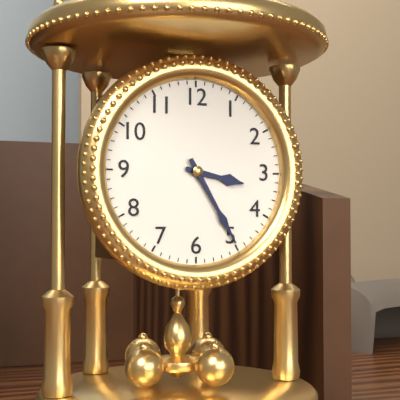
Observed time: 3:25
